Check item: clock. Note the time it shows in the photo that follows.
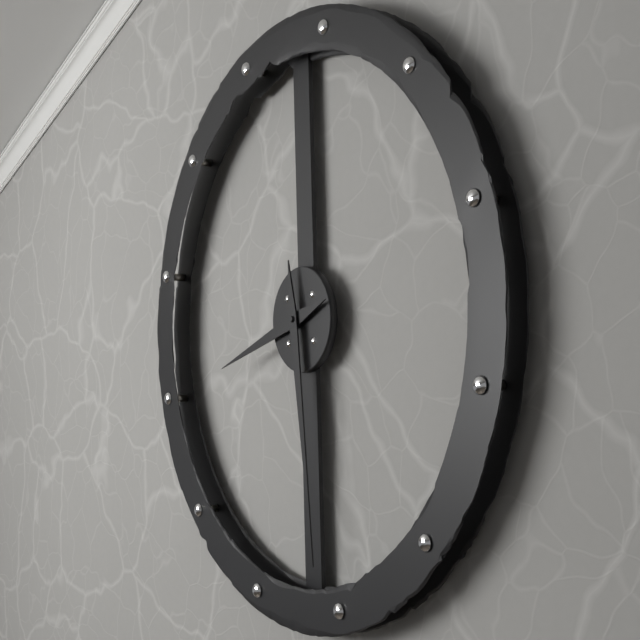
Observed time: 8:29
